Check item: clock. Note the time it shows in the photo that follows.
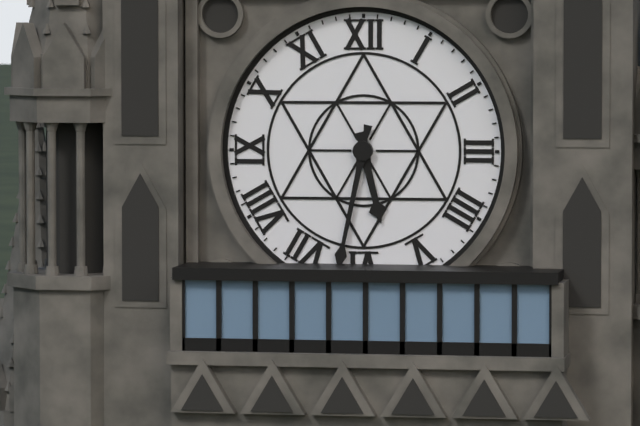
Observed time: 5:32
